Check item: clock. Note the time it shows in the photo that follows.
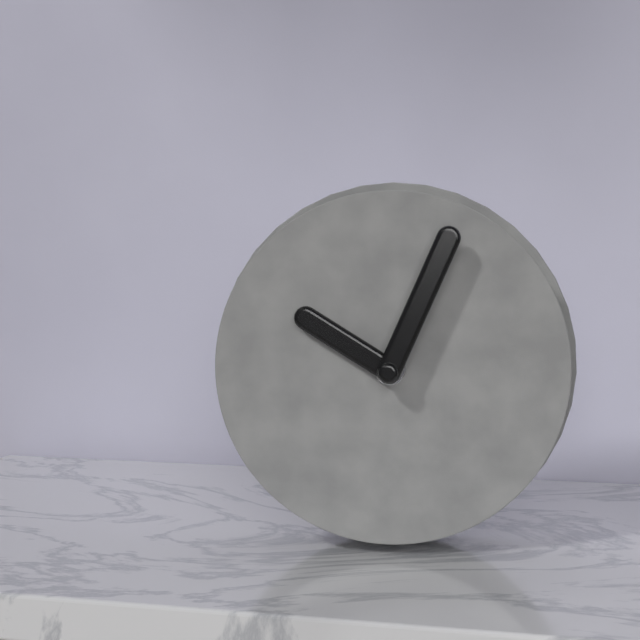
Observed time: 10:04
